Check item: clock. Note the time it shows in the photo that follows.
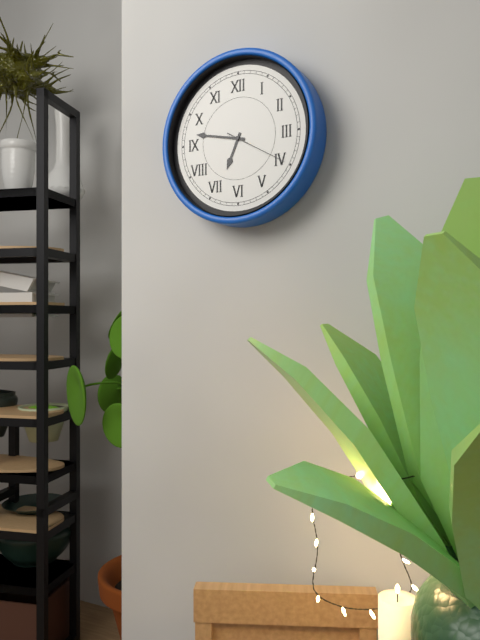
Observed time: 6:47:20
